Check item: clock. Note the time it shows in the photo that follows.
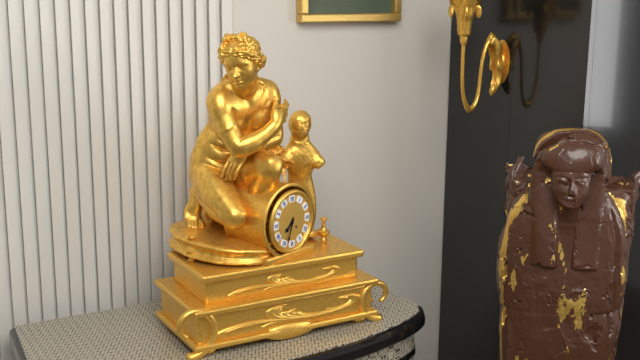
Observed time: 7:33
